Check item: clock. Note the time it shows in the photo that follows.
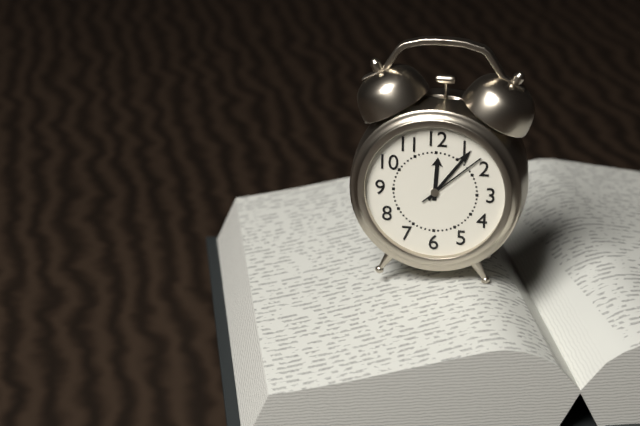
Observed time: 12:06:08
